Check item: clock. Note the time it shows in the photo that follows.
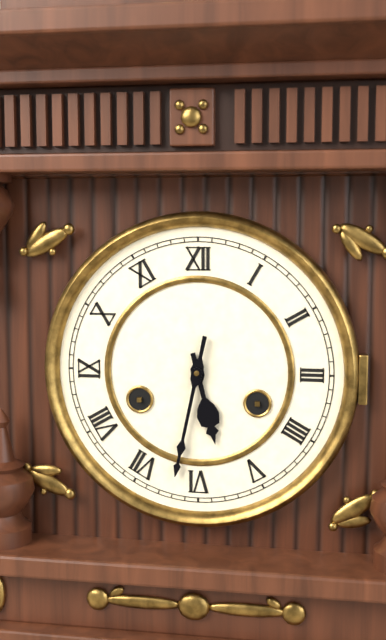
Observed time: 5:32
